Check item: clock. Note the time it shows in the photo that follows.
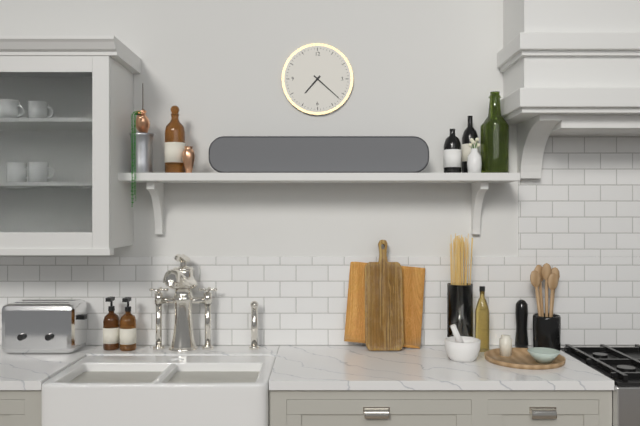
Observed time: 7:22
